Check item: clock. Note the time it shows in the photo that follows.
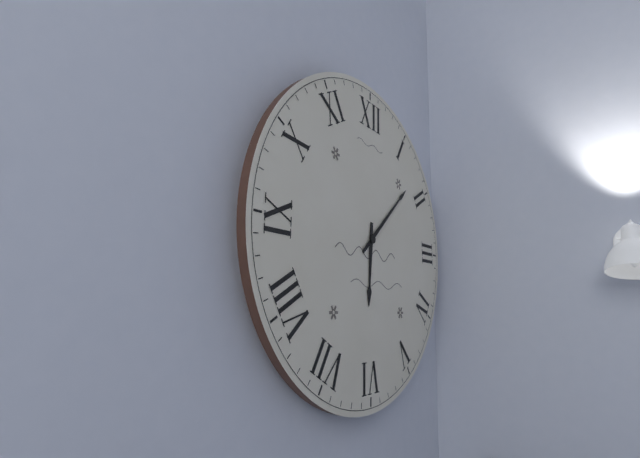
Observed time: 6:08
